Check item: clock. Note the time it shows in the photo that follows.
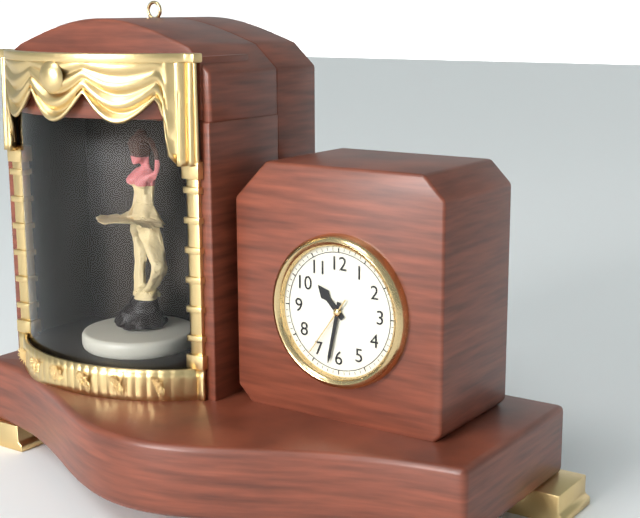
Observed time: 10:32:36
